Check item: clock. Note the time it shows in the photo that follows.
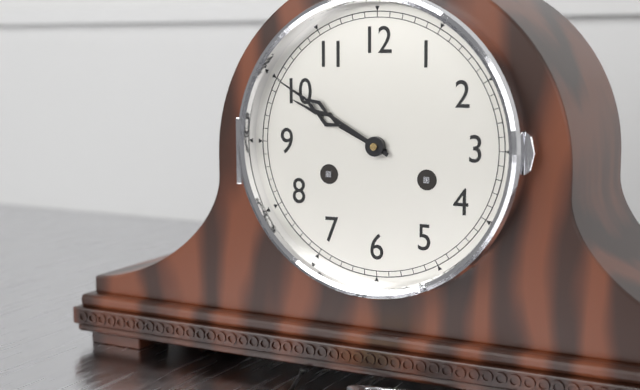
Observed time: 9:50
